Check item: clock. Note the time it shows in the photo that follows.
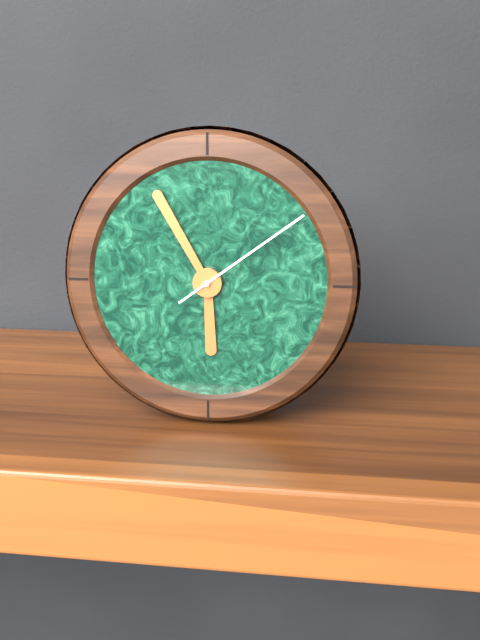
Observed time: 5:55:09
